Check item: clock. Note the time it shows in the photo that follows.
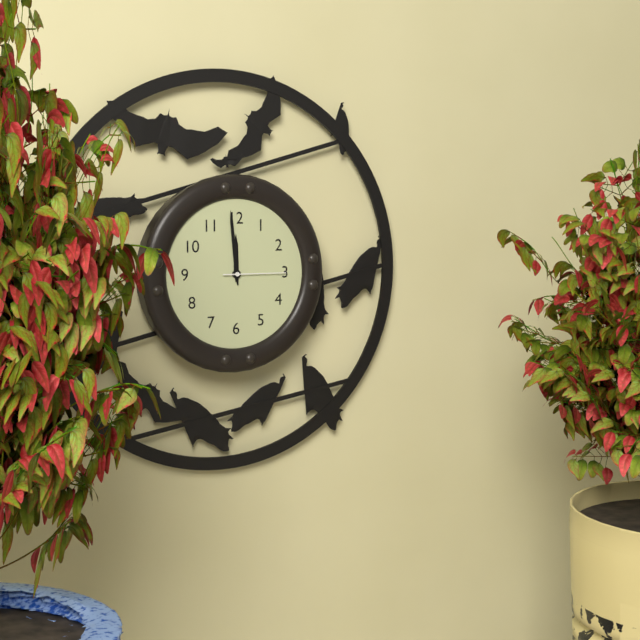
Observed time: 11:59:15
